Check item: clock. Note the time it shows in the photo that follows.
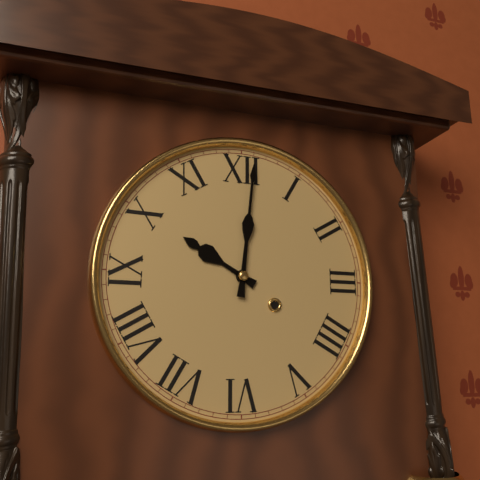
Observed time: 10:01
